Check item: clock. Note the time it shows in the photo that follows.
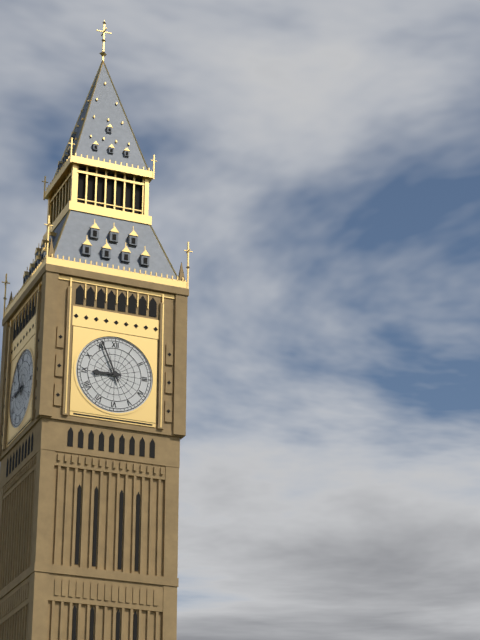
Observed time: 8:56
